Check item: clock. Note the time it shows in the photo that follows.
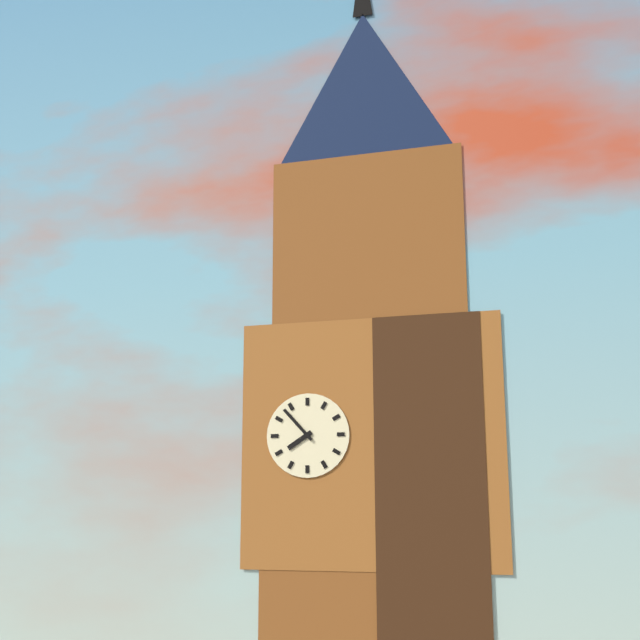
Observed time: 7:53
